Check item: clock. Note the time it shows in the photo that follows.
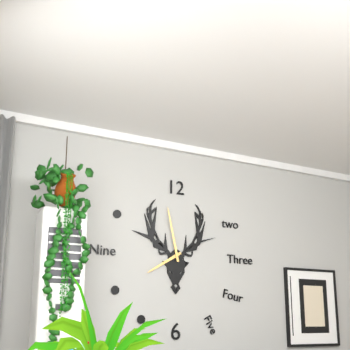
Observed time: 7:58
